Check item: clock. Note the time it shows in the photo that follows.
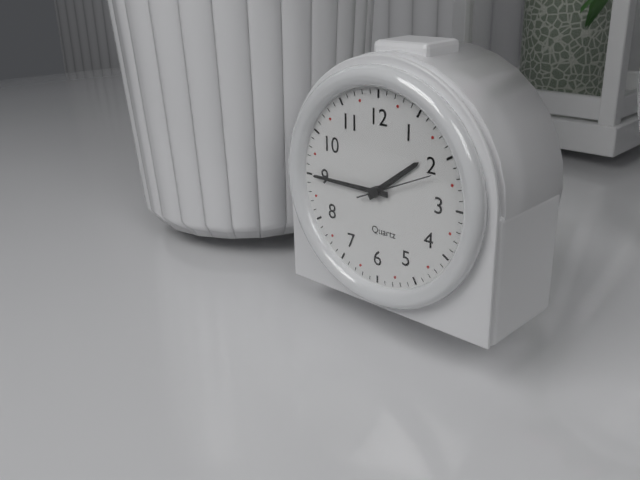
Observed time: 1:45:11
